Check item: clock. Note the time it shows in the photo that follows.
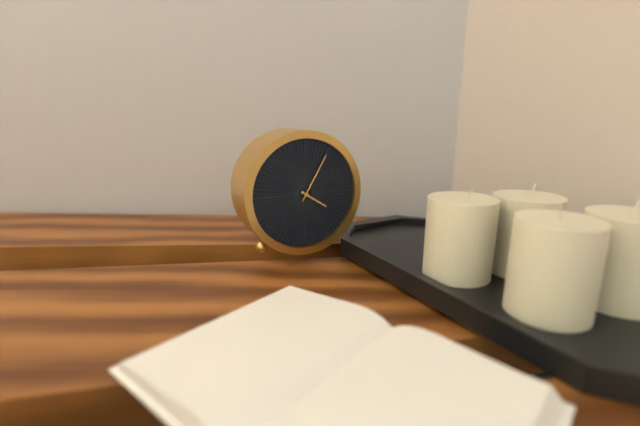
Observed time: 4:05
